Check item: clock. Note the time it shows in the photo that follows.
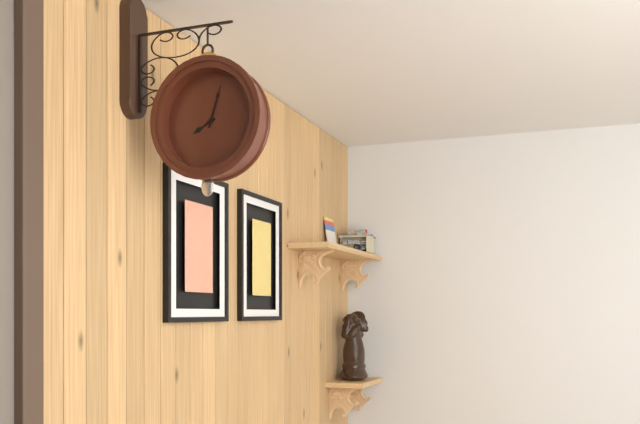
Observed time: 8:03
